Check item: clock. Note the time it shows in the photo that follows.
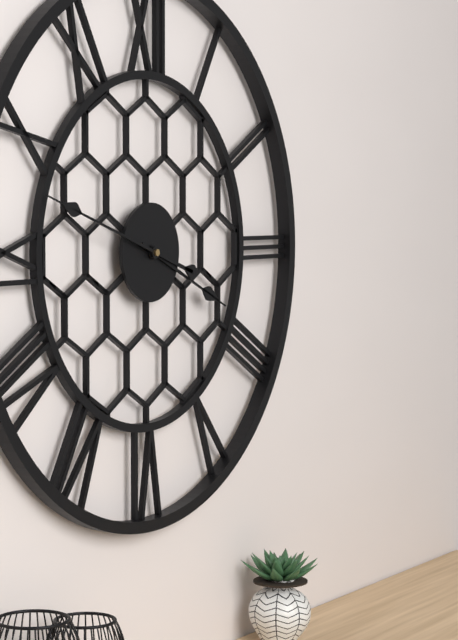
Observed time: 3:48
